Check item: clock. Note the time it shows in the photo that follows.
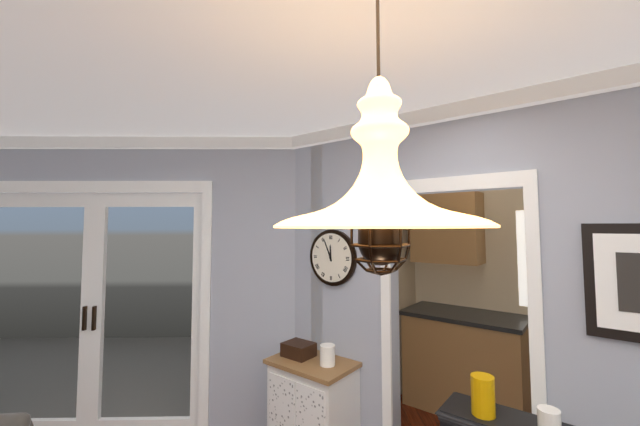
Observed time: 11:56
